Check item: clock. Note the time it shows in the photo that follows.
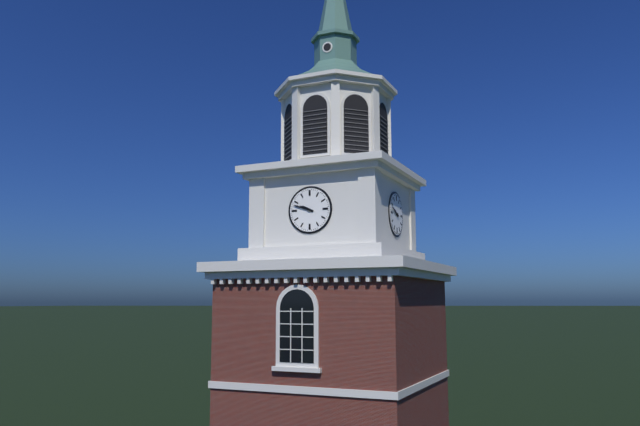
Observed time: 9:48
